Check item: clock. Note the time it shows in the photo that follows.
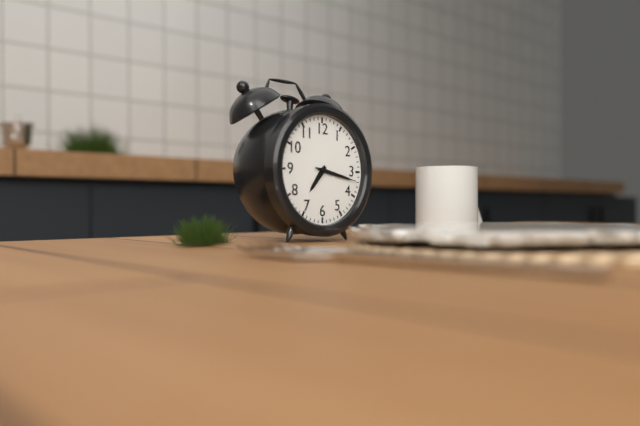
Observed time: 7:17:17
